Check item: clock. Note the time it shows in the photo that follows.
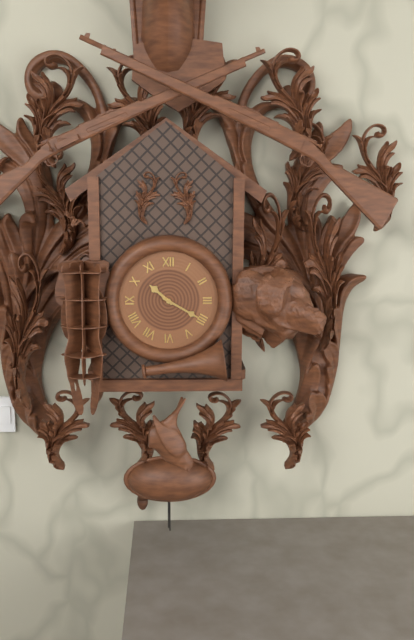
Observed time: 10:20
